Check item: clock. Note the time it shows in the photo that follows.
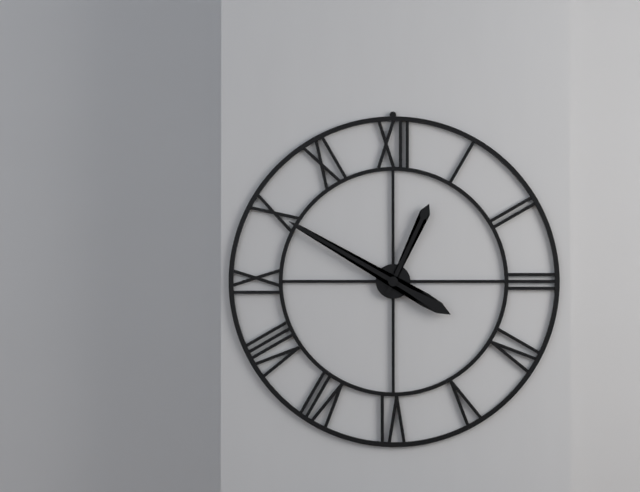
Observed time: 12:50
